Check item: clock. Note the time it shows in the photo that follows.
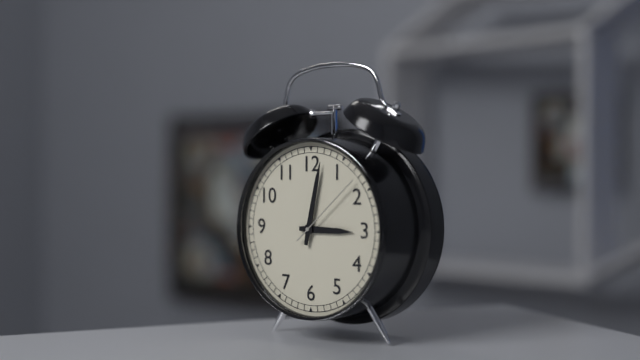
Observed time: 3:02:08
